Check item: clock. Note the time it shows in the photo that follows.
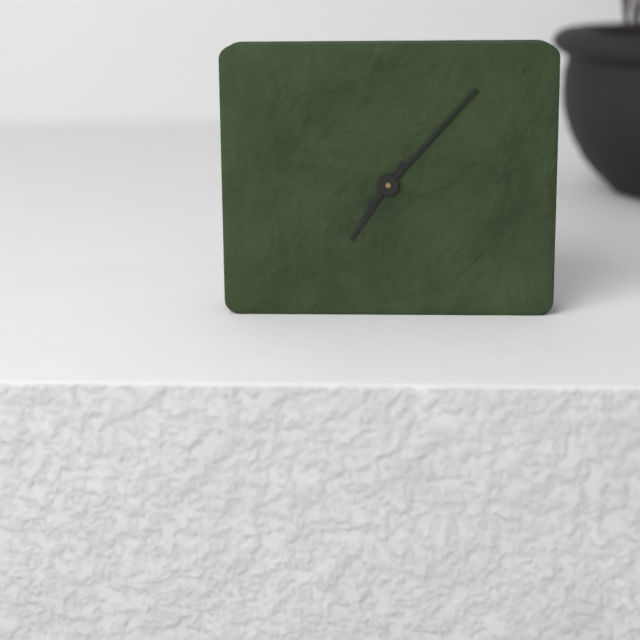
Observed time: 7:07
